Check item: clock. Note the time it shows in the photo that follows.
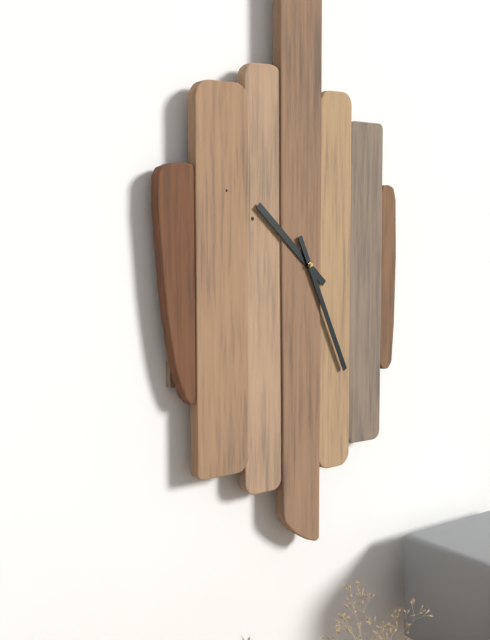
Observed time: 10:26
